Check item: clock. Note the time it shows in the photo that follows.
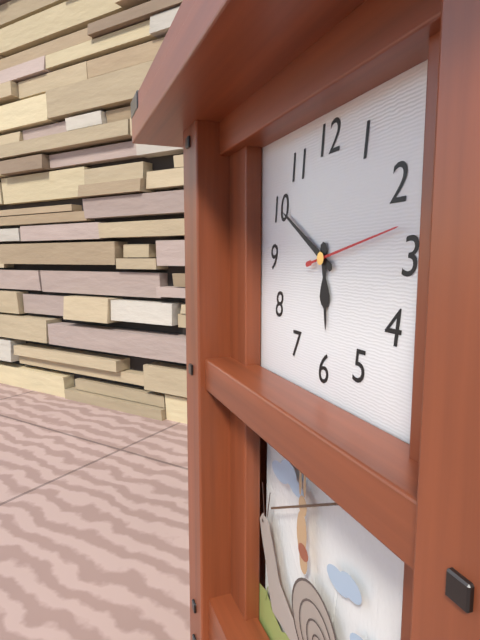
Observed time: 5:50:13
